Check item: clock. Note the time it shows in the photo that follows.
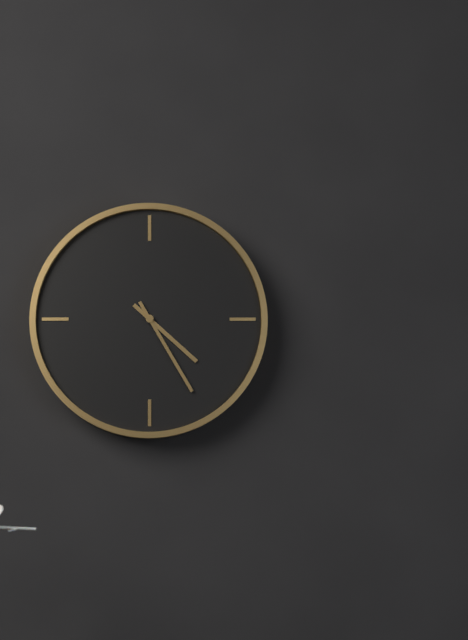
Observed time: 4:25
